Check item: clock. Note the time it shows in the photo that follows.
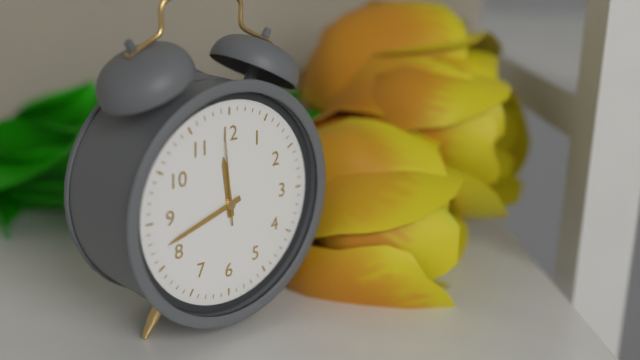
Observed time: 11:42:59
